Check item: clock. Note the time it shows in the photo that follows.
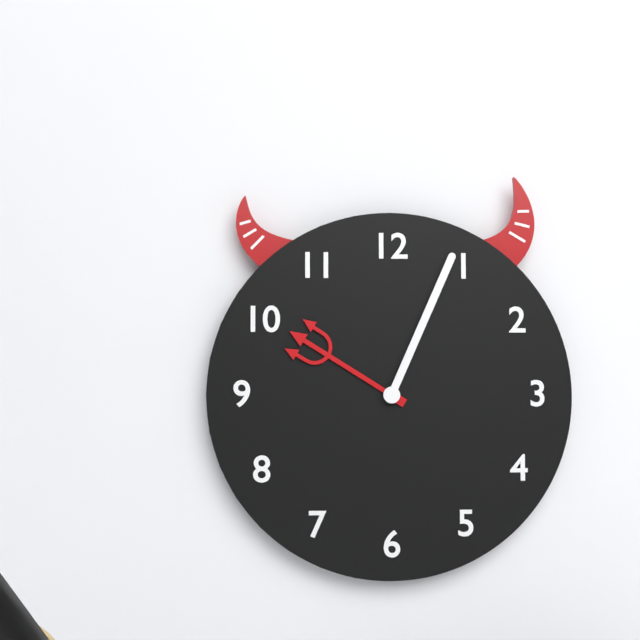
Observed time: 10:04
